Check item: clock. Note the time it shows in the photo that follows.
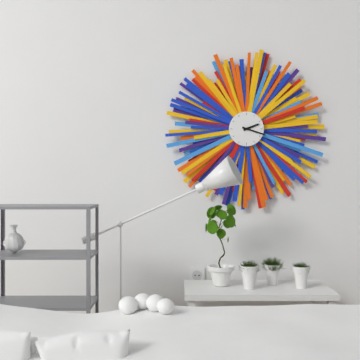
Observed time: 2:18
